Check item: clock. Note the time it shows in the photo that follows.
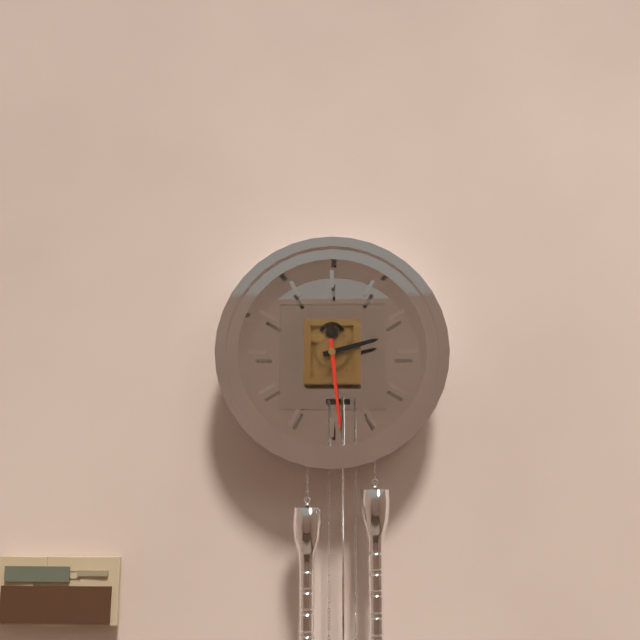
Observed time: 2:29
